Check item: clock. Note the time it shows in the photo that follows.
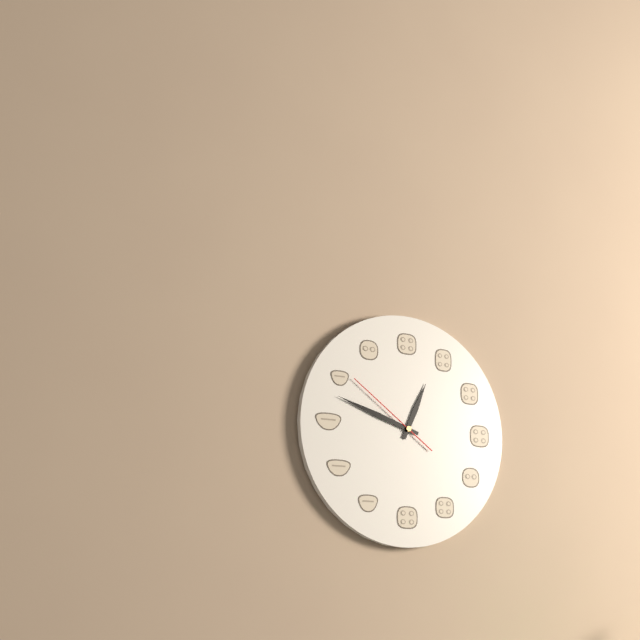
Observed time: 12:48:51
